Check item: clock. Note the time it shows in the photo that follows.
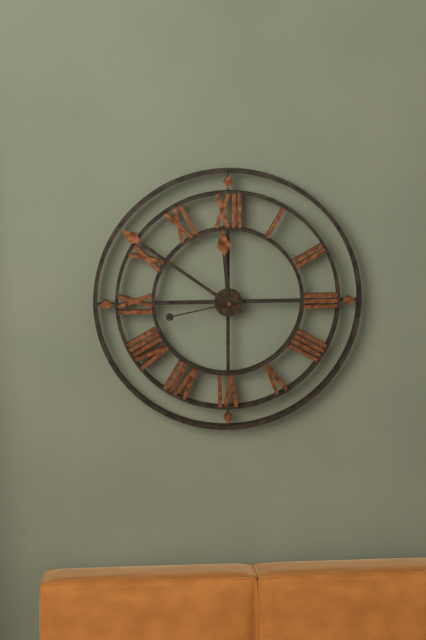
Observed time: 11:51:43
